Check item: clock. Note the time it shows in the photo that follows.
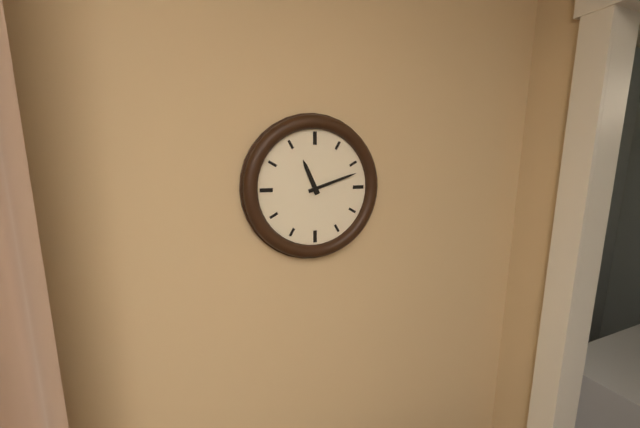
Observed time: 11:12
